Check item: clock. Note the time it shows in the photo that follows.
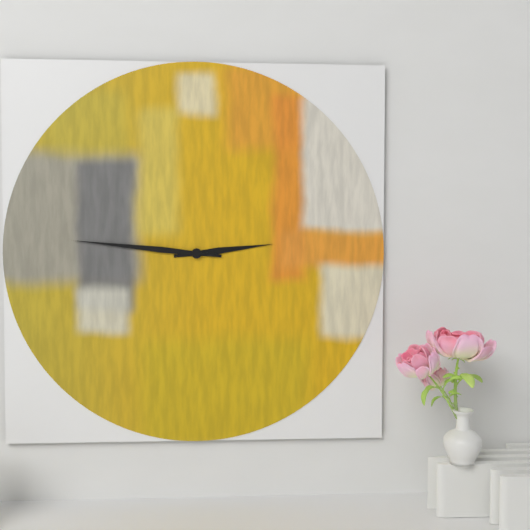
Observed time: 2:46
